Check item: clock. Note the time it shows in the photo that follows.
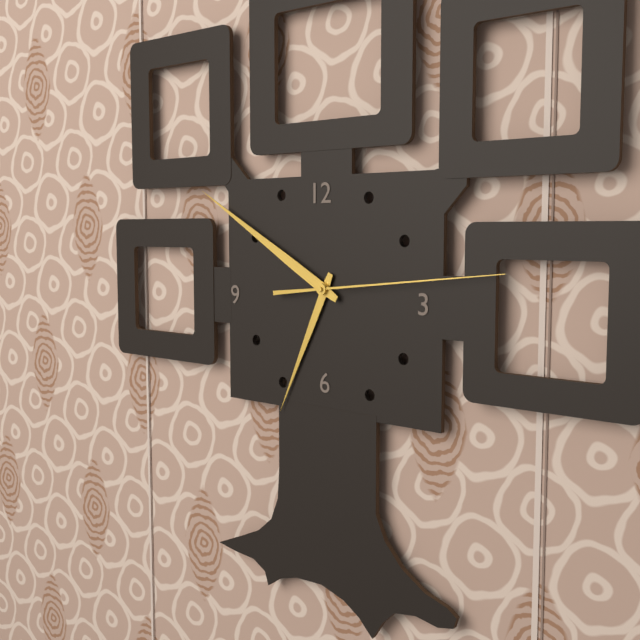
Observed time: 6:50:14
